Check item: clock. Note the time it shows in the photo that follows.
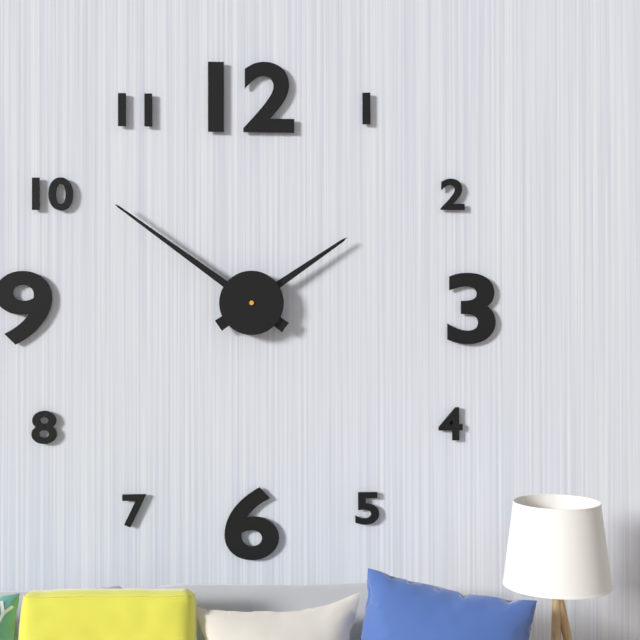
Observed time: 1:51
